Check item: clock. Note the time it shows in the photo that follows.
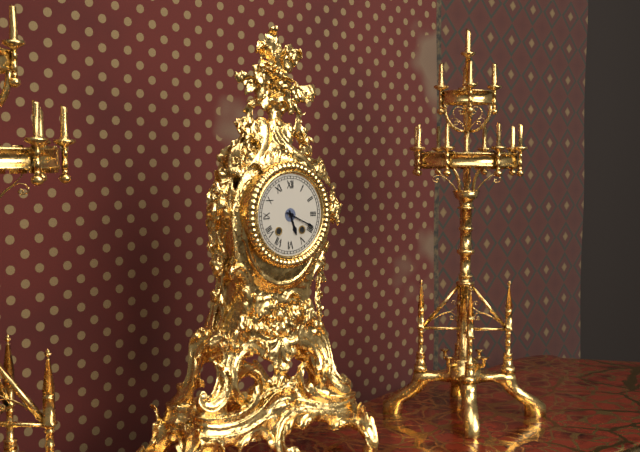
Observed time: 5:19
